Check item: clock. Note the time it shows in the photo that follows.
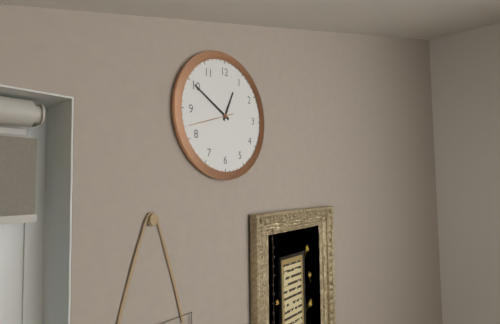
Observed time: 12:50
